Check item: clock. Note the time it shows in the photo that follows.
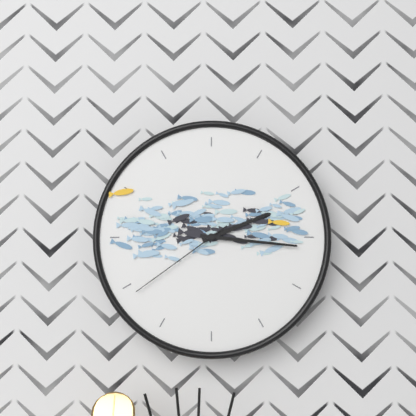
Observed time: 2:16:39
